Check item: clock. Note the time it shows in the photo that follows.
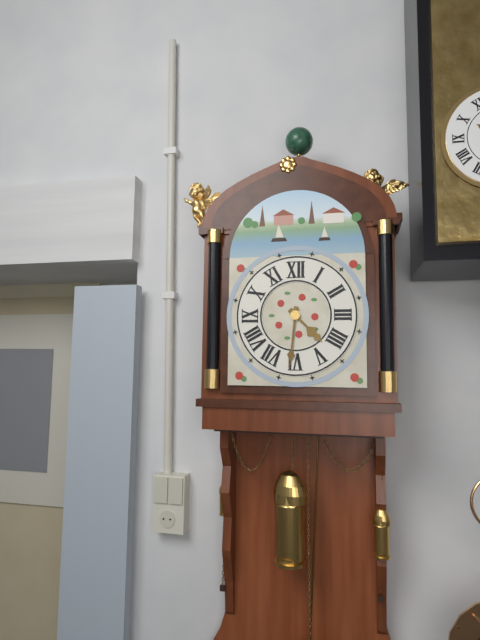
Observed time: 4:31
